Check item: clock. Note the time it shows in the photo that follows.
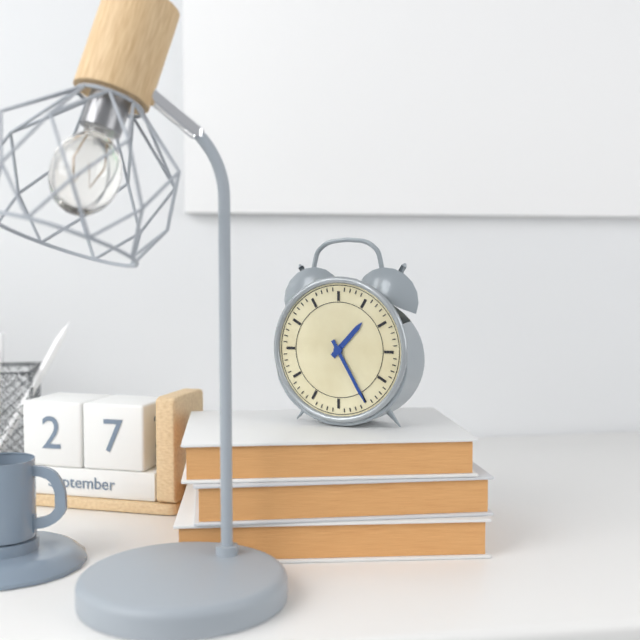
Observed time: 1:25
